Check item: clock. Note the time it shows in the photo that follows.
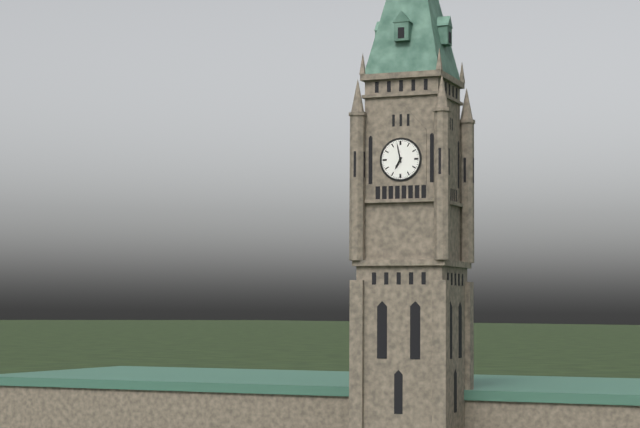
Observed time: 6:58
